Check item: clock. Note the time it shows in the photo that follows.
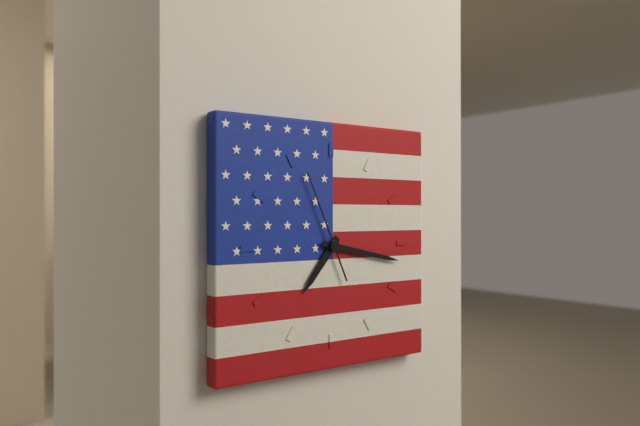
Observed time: 7:17:56
